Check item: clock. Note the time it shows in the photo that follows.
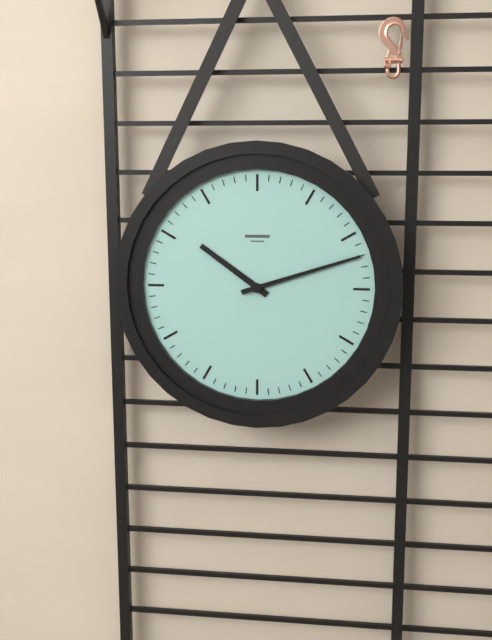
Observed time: 10:12
